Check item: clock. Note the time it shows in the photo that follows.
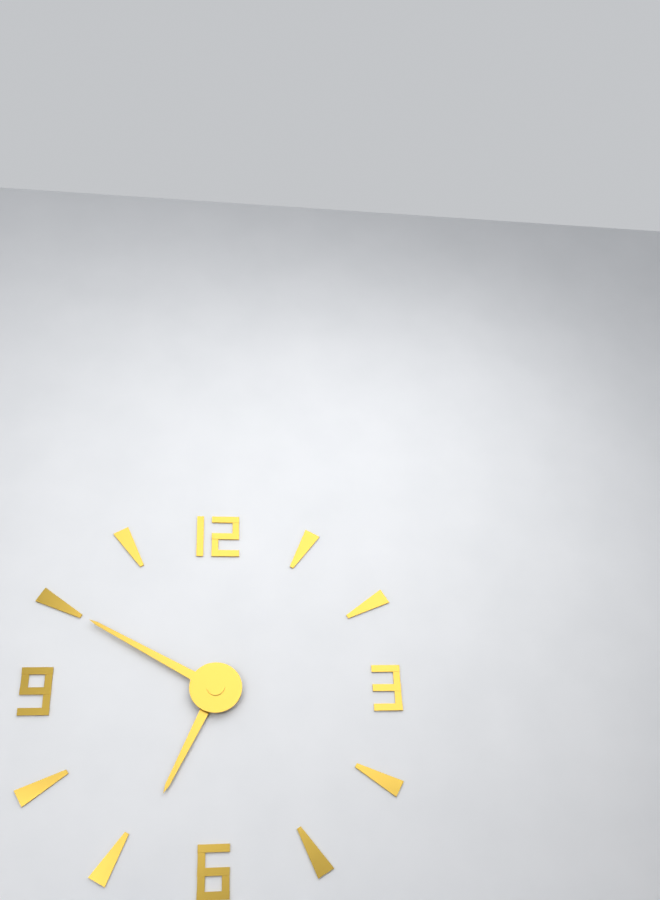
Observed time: 6:50
